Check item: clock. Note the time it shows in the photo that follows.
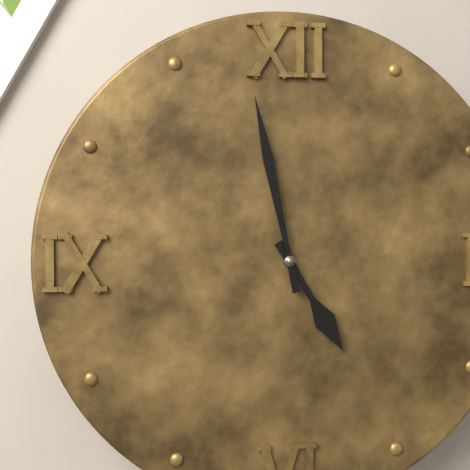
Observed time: 4:58
